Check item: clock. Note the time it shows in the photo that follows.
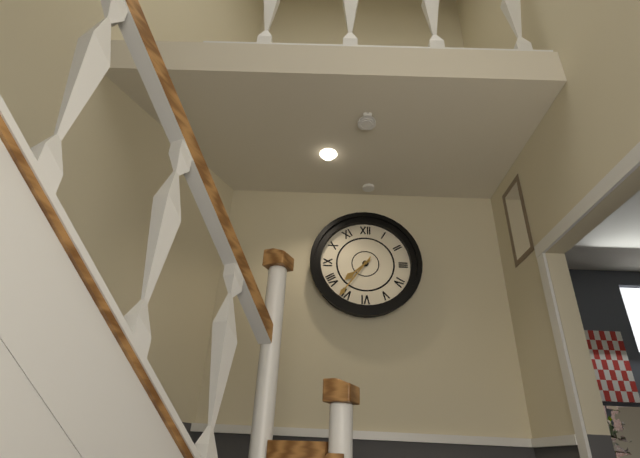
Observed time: 7:36
